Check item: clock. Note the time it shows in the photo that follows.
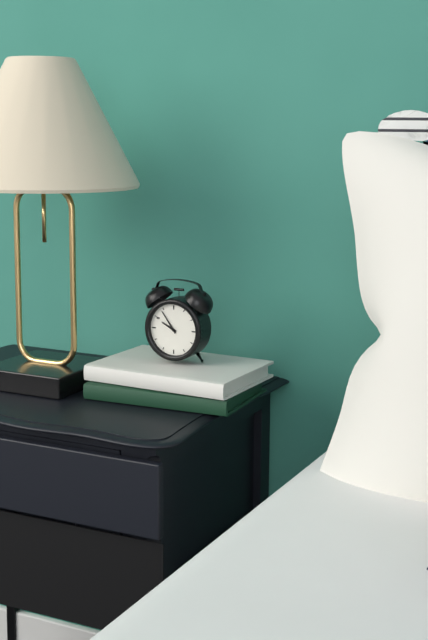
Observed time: 9:54
